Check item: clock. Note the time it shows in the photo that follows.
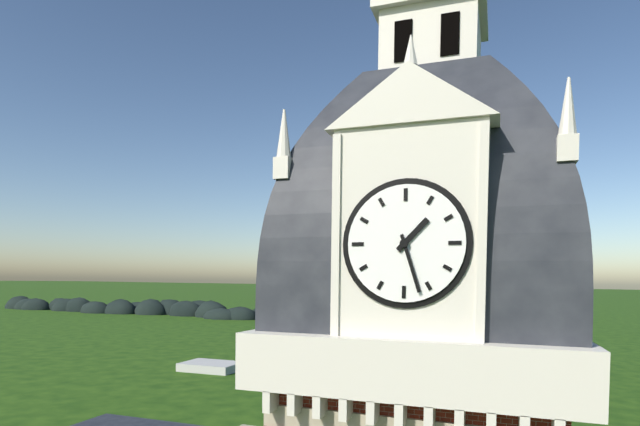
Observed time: 1:27
